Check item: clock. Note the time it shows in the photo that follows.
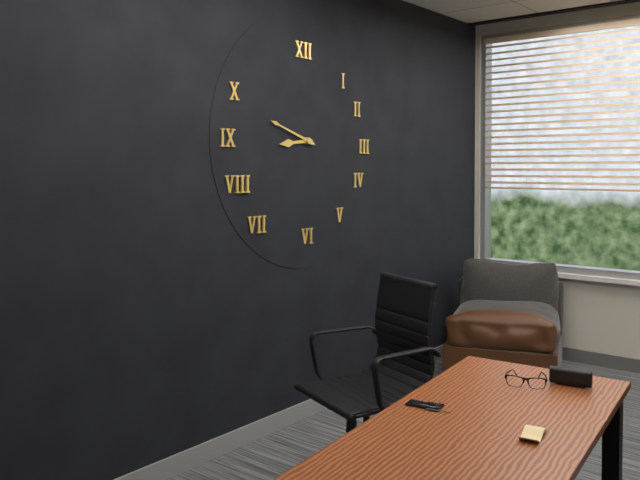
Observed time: 8:48
